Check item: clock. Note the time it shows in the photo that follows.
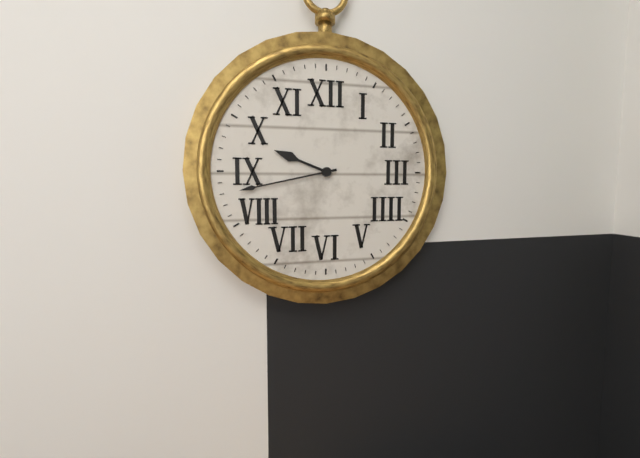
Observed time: 9:43
